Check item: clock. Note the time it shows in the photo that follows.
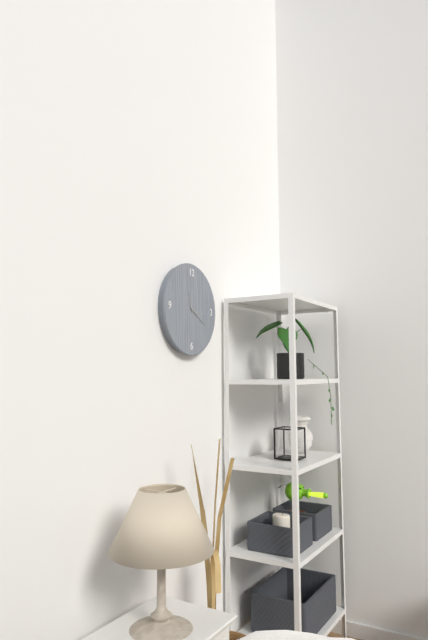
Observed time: 11:20
